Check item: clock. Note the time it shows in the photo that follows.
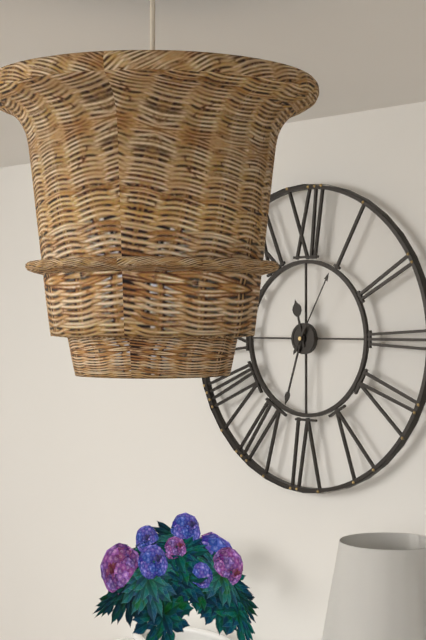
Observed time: 11:33:05
